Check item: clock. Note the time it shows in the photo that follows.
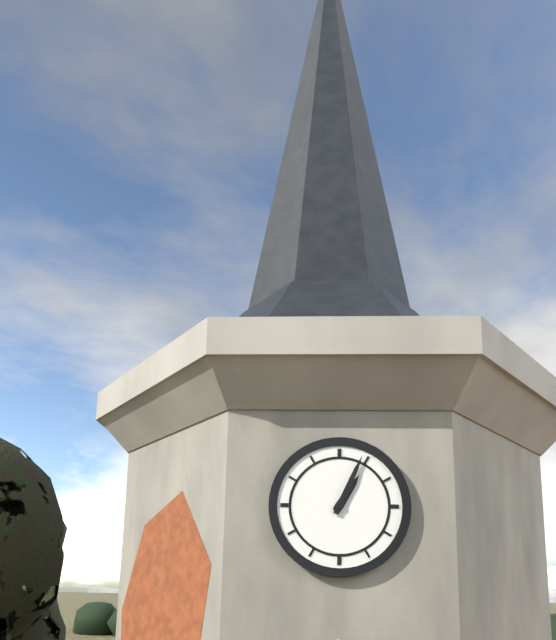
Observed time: 1:04
